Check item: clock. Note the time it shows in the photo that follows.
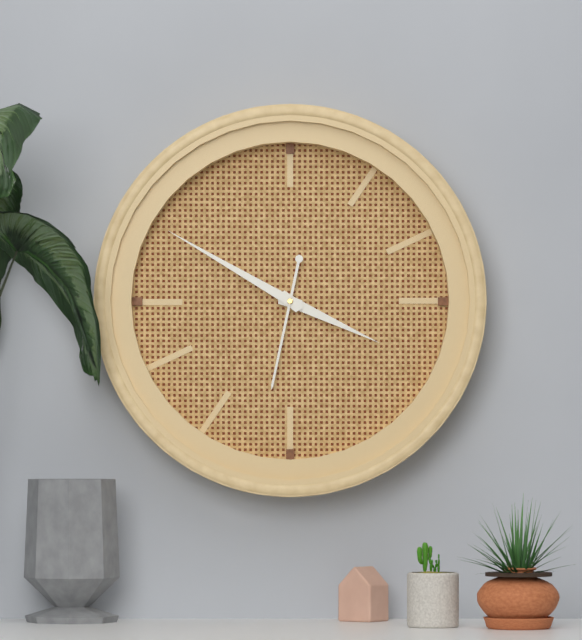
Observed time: 3:50:32
